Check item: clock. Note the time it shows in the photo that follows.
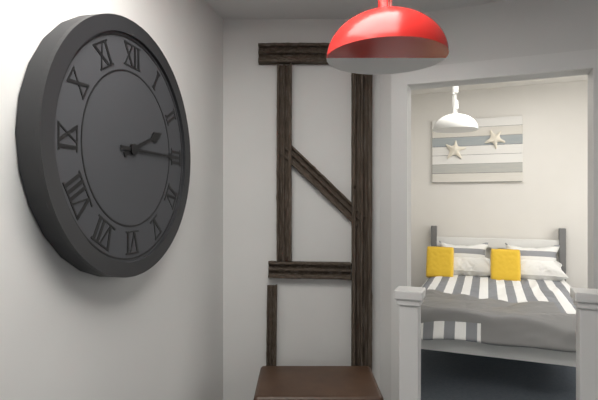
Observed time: 2:15
